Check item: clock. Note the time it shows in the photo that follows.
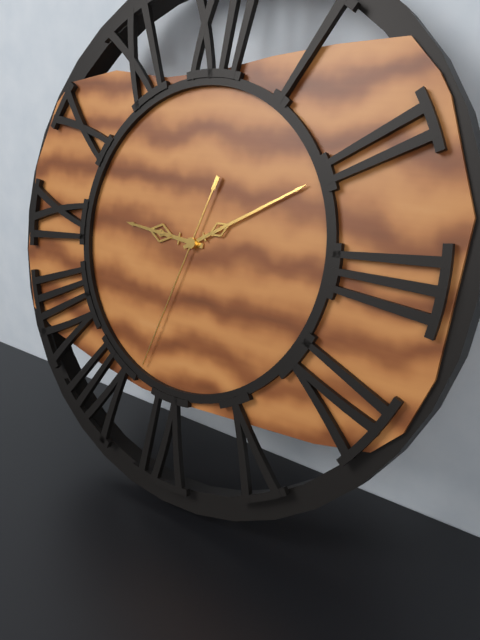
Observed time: 9:10:33
